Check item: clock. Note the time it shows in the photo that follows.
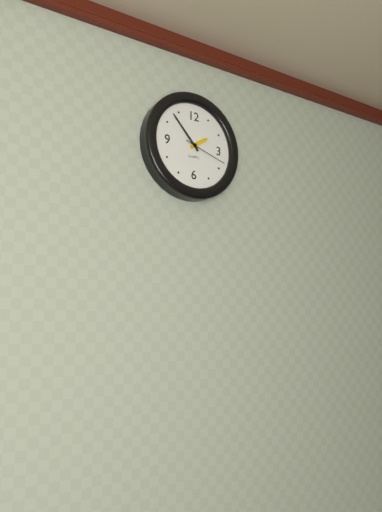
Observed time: 1:53
